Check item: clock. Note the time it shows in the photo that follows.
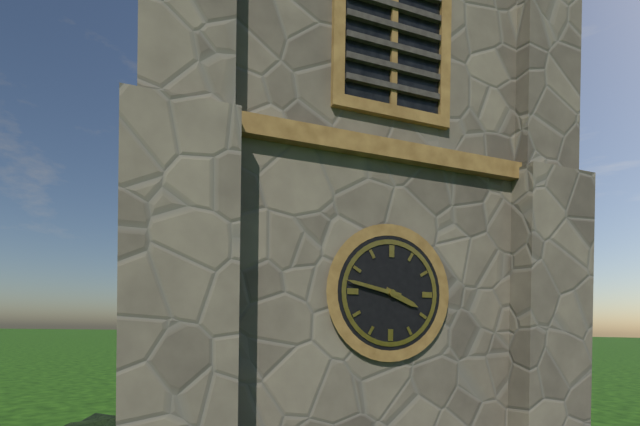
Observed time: 3:47
